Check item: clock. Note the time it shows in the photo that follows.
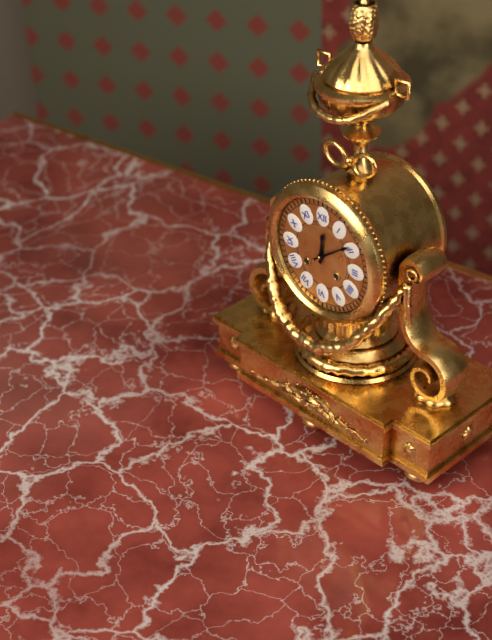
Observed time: 12:09
